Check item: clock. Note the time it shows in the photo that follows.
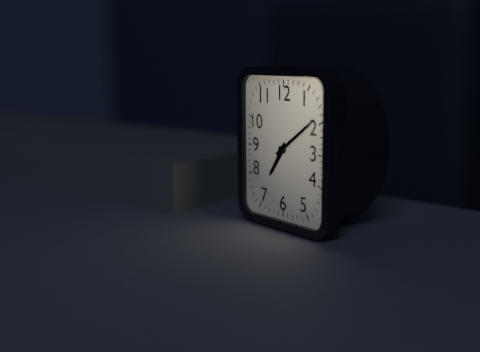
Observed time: 7:09
